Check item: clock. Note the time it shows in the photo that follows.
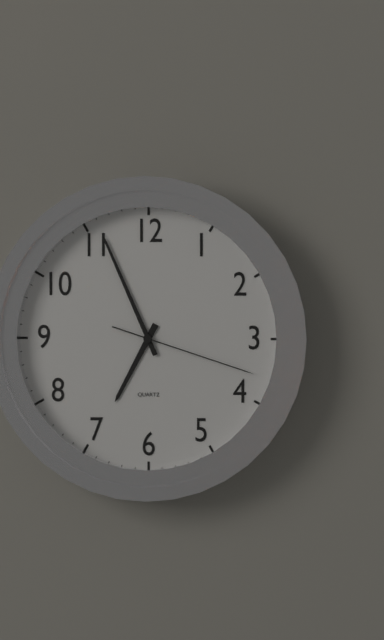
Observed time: 6:56:18
